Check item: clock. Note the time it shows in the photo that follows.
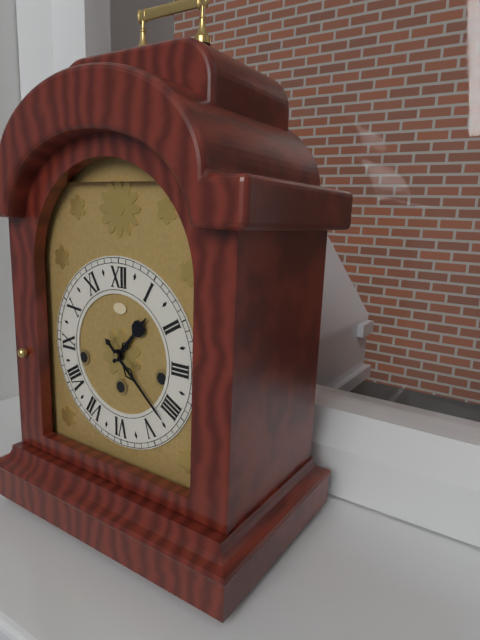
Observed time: 1:22
